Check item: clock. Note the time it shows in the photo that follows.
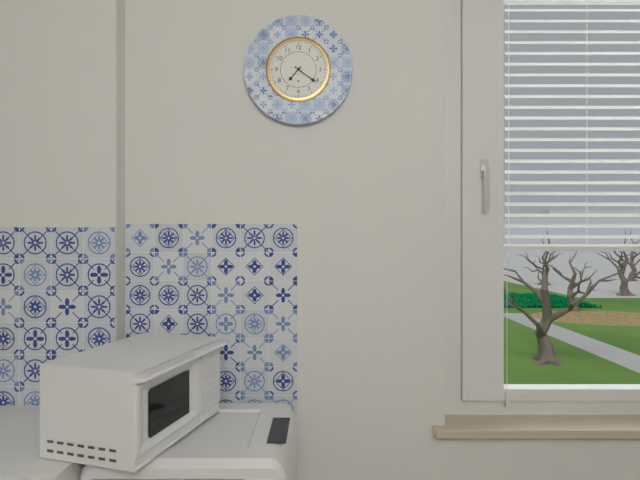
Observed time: 7:21
